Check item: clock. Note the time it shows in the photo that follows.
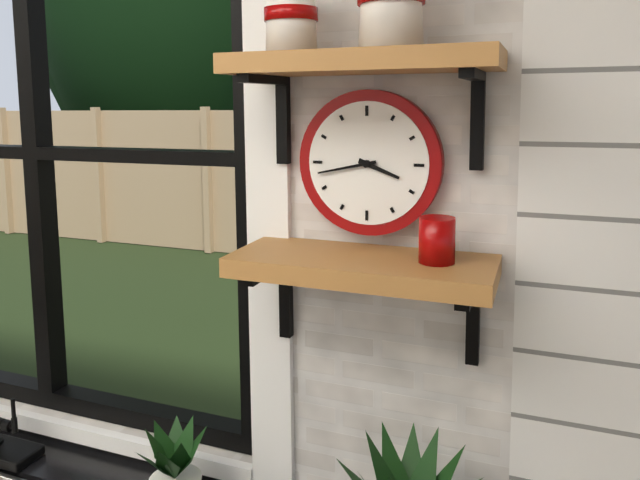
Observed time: 3:43
